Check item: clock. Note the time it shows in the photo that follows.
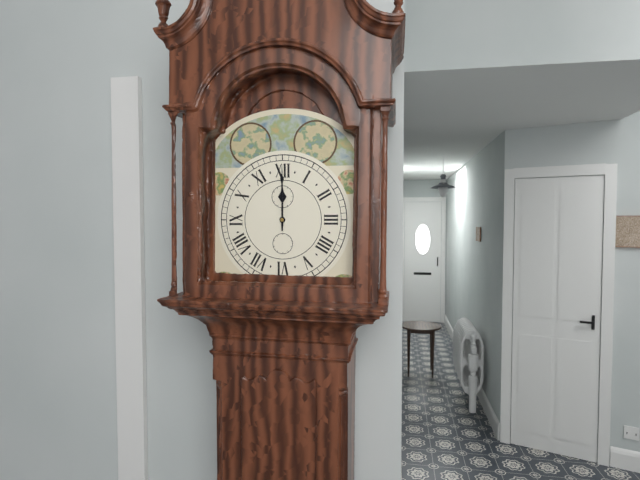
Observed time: 12:00
